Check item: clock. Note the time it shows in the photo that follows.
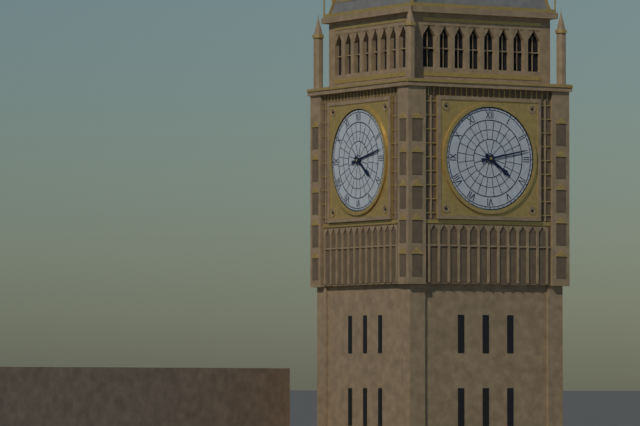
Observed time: 4:13
